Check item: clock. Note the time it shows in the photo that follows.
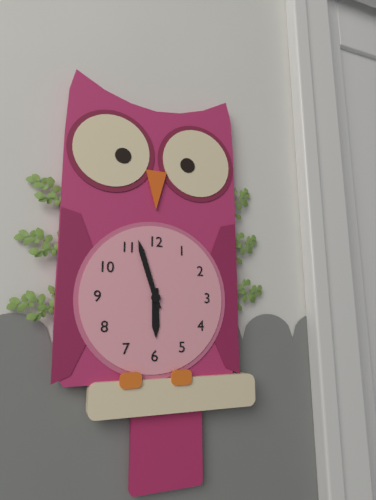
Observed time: 5:57
